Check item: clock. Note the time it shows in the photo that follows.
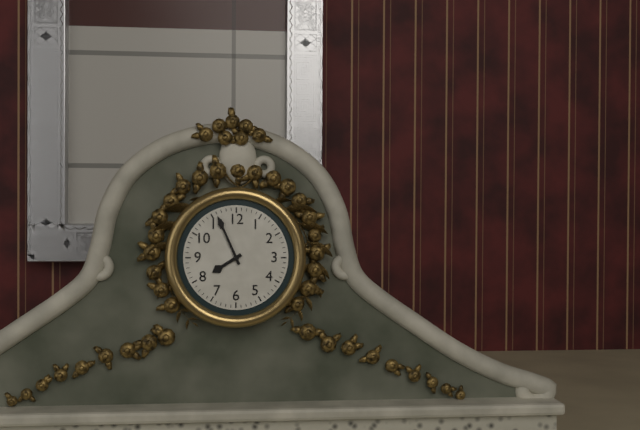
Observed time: 7:56
